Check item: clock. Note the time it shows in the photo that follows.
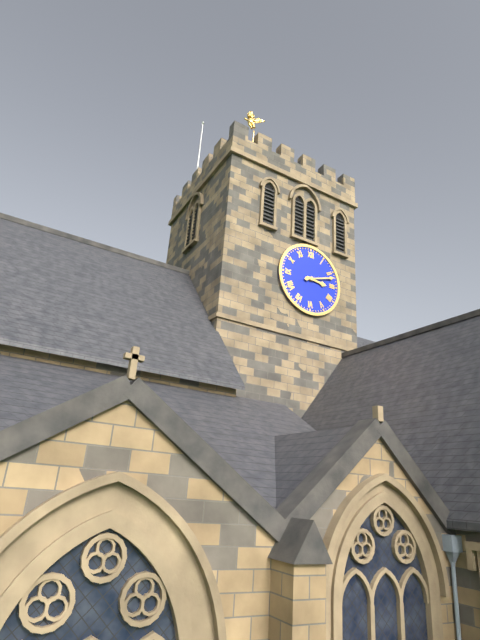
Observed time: 3:12
